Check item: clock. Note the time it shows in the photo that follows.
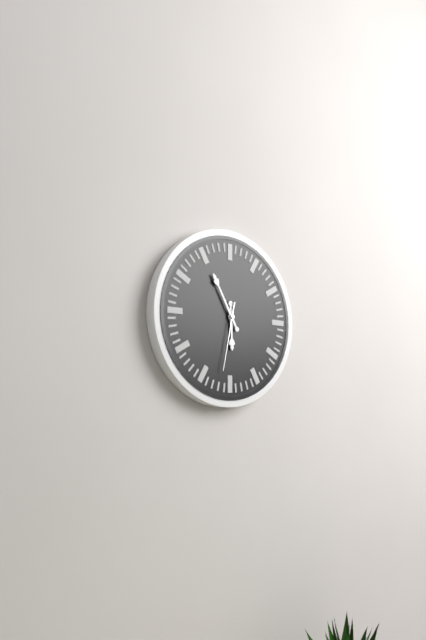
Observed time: 5:55:32
